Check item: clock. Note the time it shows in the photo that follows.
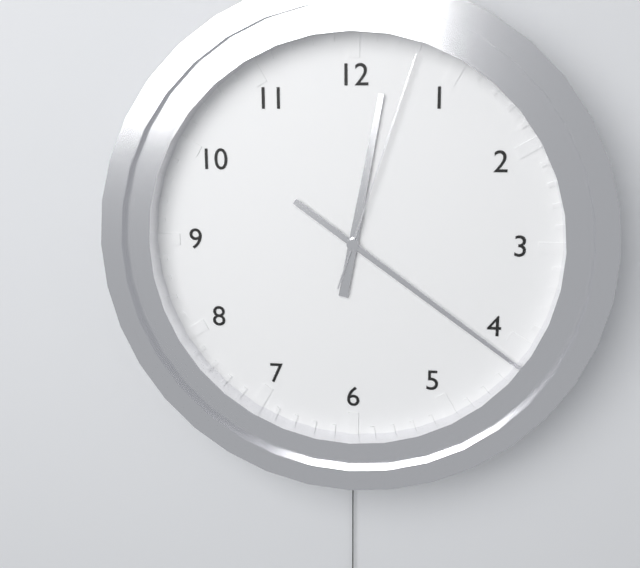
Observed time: 12:21:03
